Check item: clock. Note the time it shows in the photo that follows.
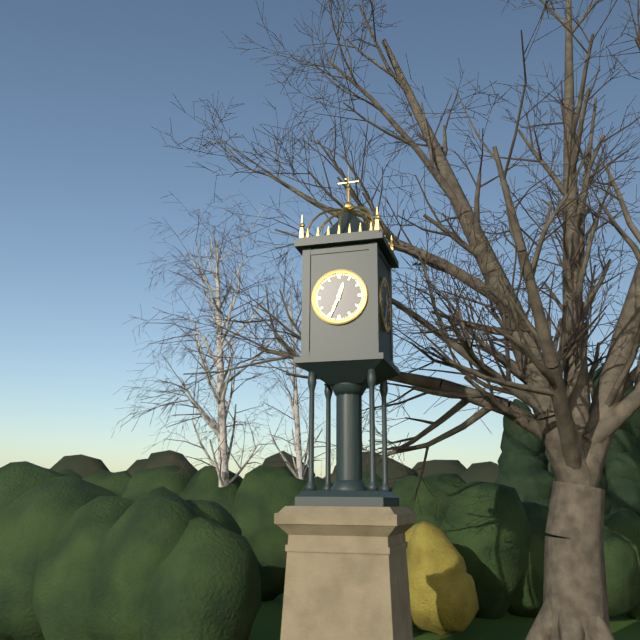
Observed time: 12:34
